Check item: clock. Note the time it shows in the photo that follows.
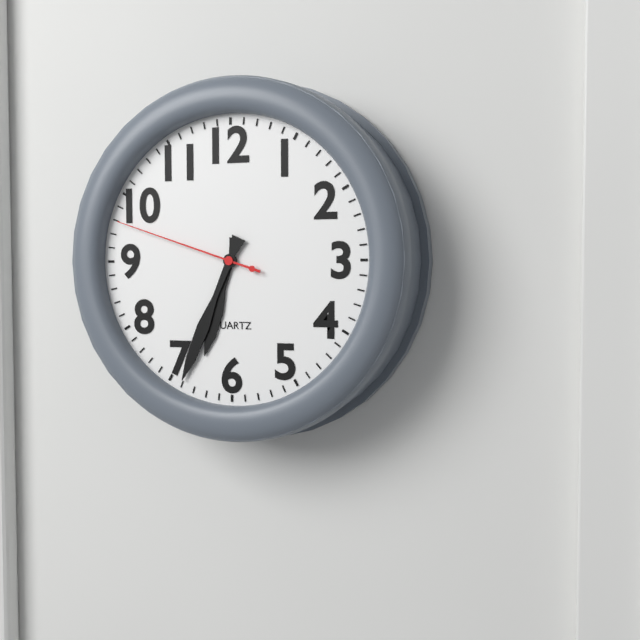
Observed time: 6:34:48
